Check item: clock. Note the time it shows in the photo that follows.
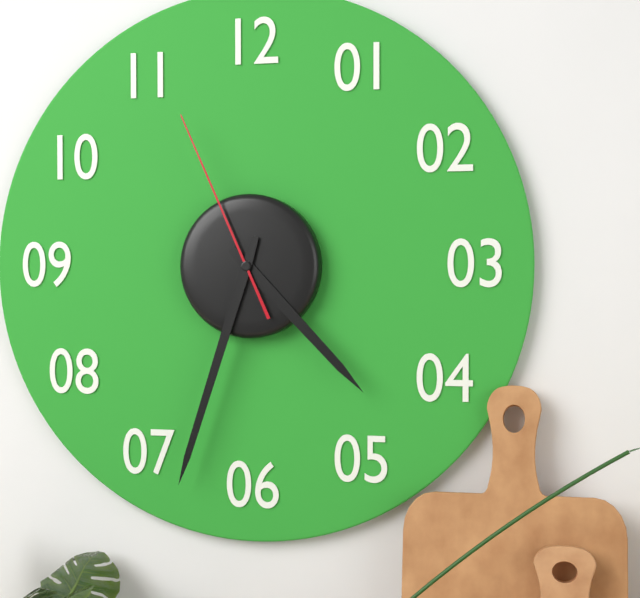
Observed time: 4:33:56
